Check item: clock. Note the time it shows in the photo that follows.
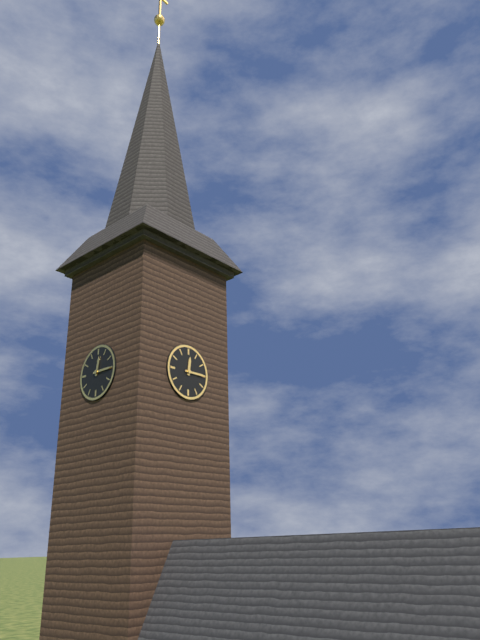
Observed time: 12:15
